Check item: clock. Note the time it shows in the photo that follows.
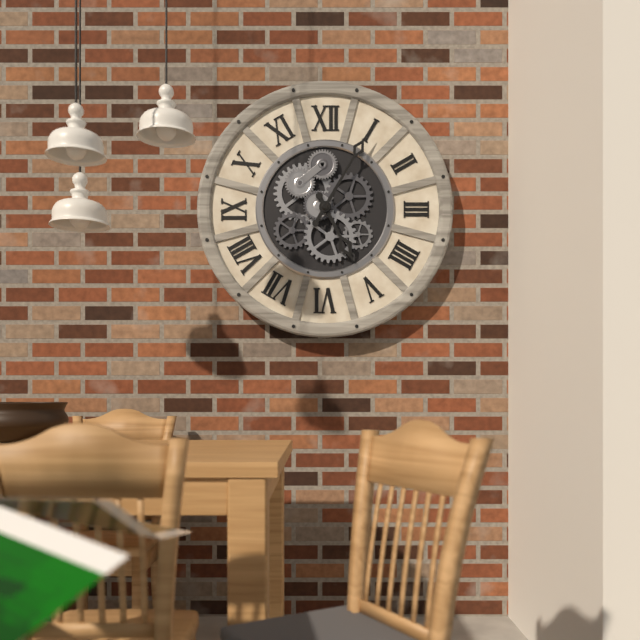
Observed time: 5:05
